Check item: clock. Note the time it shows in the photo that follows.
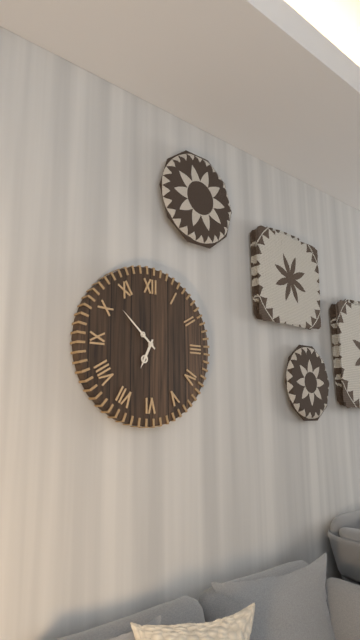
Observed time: 6:52
